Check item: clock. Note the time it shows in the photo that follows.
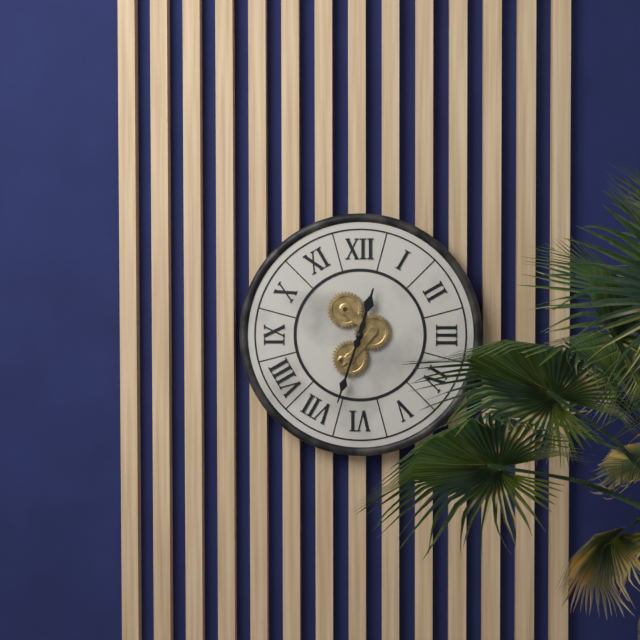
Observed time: 12:33
